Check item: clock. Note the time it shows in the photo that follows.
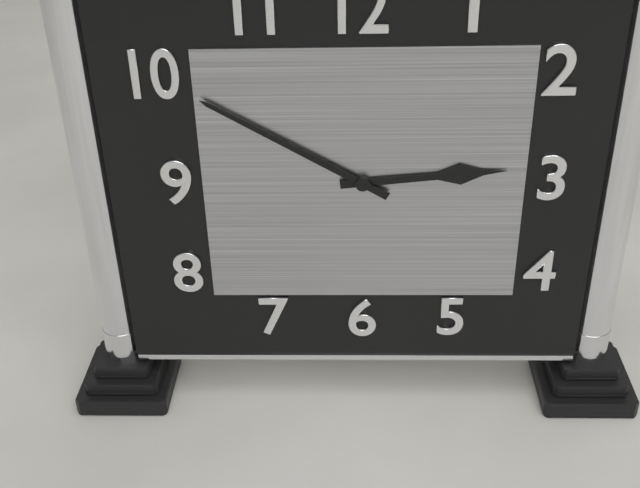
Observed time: 2:50
